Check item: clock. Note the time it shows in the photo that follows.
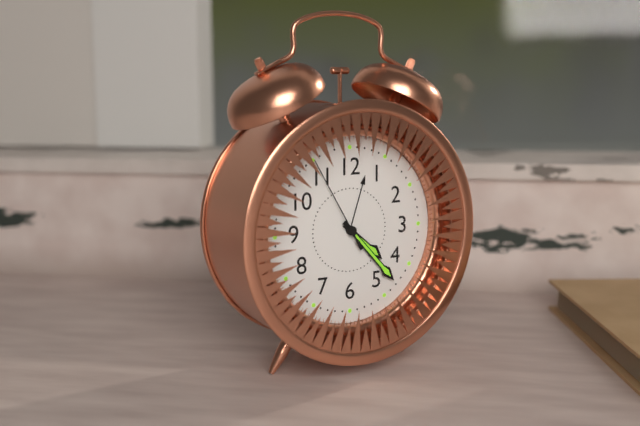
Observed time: 4:23:55
